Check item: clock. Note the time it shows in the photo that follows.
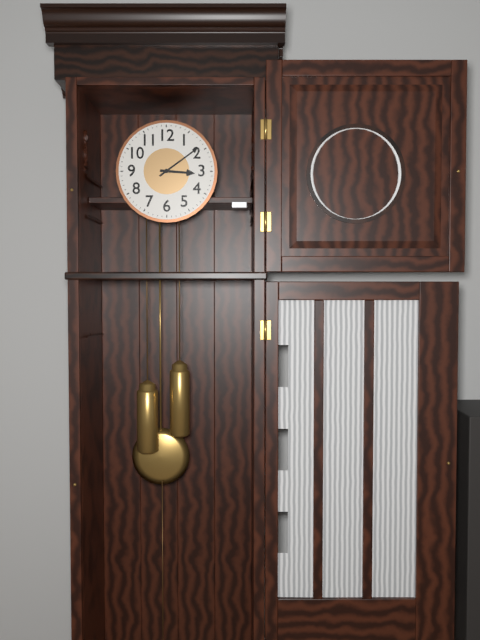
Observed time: 3:09
